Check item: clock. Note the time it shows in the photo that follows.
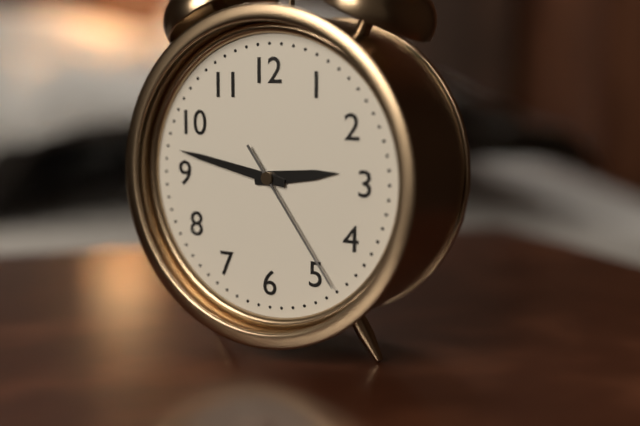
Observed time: 2:47:24
